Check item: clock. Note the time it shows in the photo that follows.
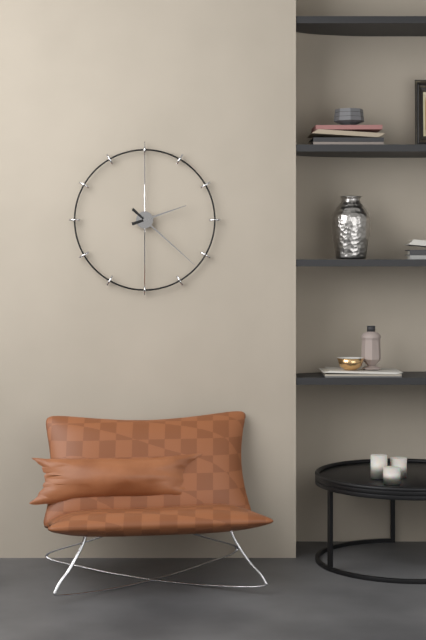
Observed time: 2:22
